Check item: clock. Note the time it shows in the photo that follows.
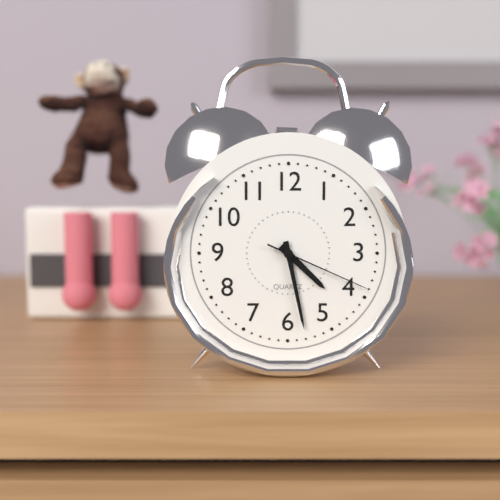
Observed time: 4:28:19
